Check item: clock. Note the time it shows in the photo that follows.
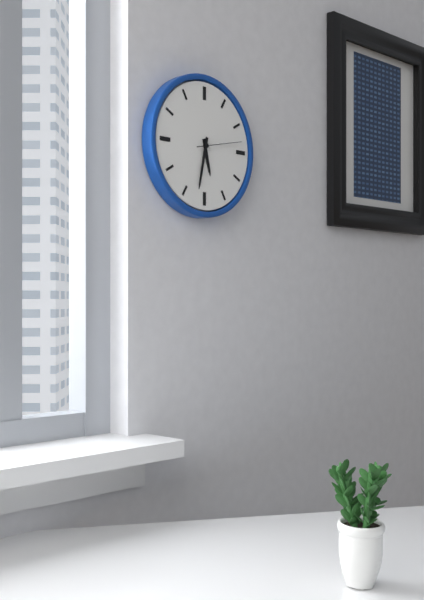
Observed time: 5:32:13
